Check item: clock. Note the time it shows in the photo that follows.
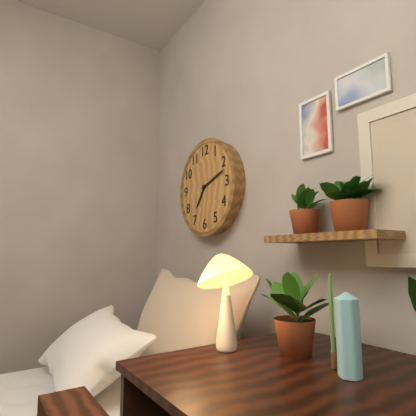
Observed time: 7:12
